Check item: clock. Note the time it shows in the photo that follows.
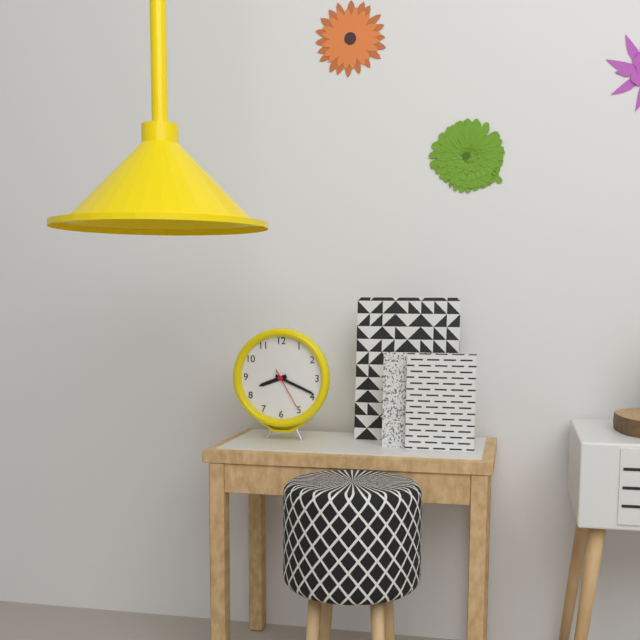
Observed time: 8:19
